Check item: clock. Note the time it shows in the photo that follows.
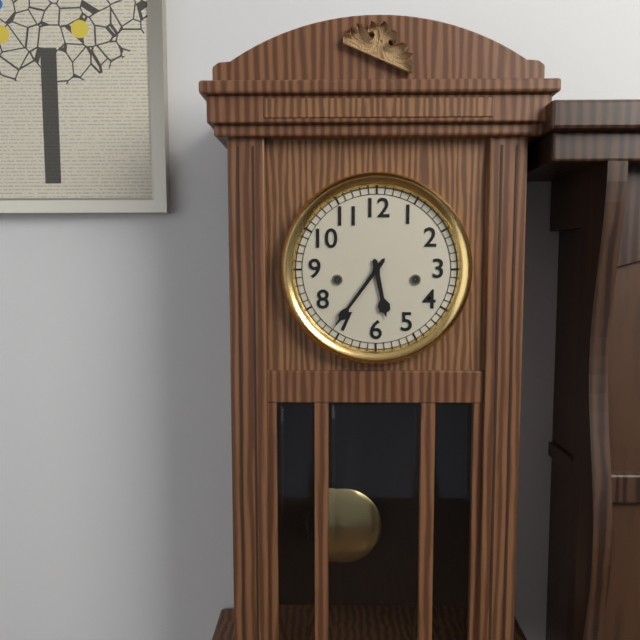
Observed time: 5:36
